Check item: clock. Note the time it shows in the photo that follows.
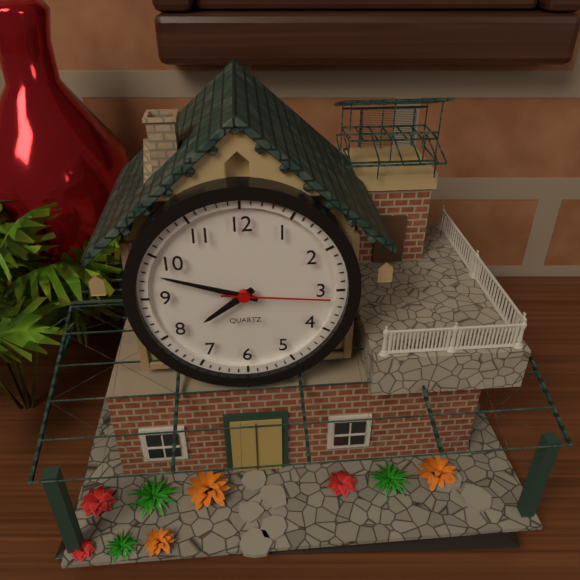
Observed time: 7:48:16
